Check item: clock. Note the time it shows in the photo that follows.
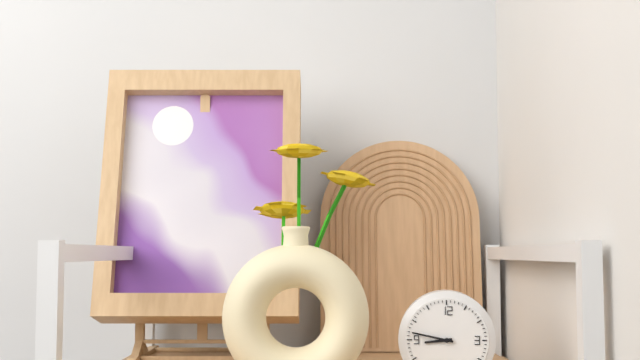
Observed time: 8:47
